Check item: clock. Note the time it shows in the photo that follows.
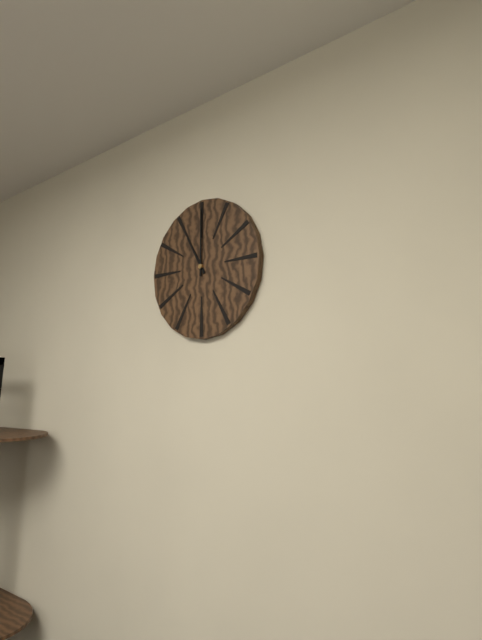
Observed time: 11:00
